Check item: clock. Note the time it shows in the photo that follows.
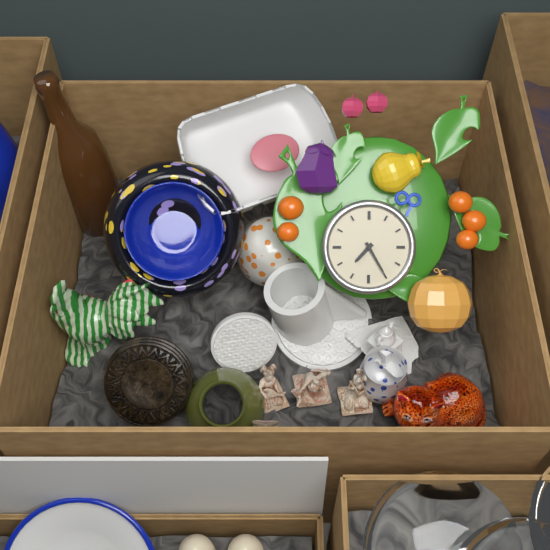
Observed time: 7:25
